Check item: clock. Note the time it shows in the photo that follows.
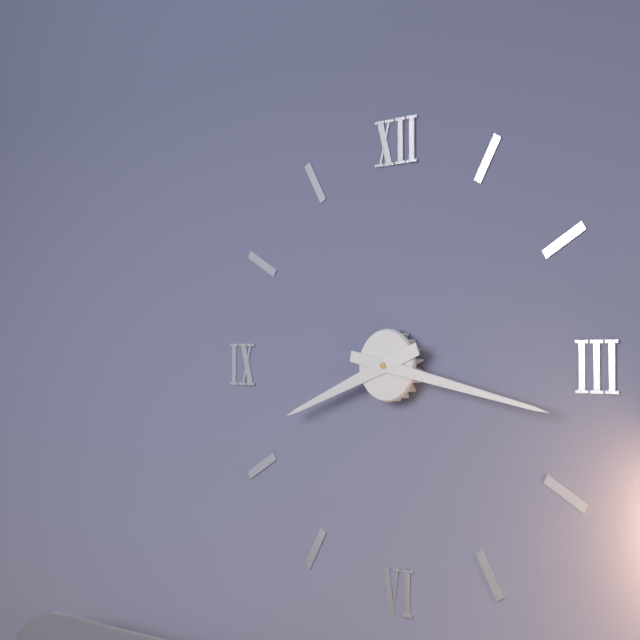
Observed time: 8:17
